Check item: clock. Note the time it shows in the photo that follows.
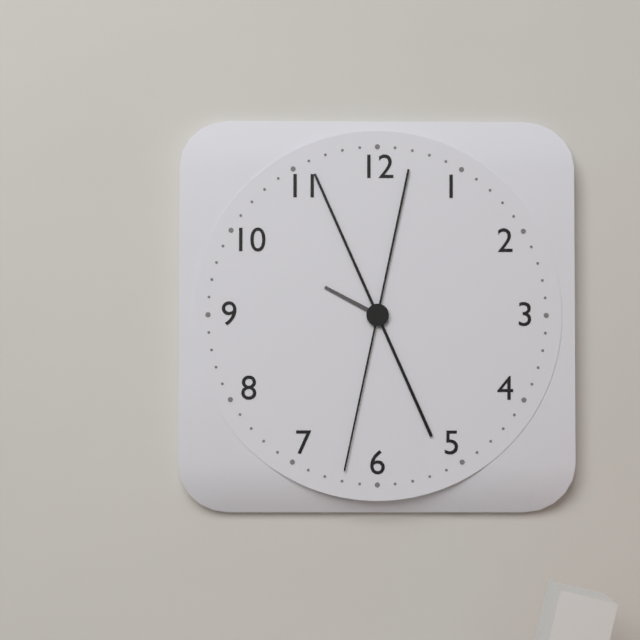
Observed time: 9:56:32
